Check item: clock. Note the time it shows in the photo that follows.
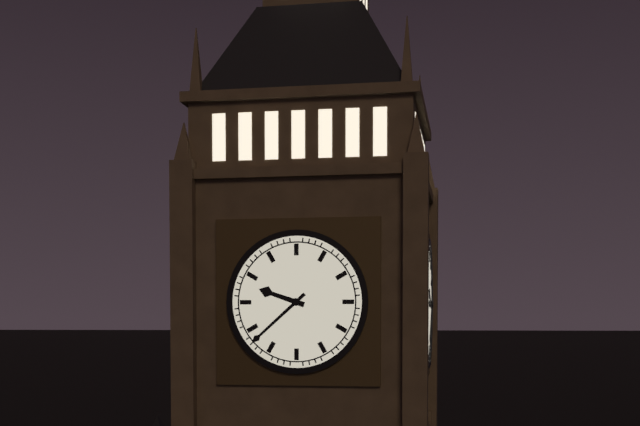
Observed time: 9:38
